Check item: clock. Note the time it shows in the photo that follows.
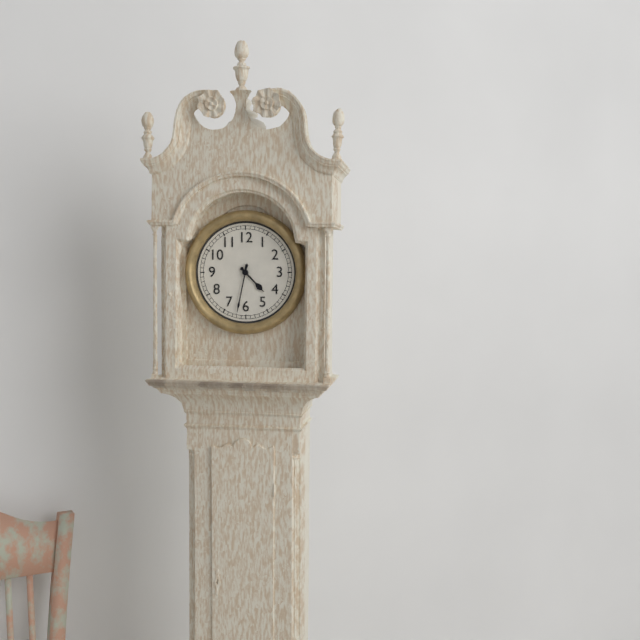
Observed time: 4:32
